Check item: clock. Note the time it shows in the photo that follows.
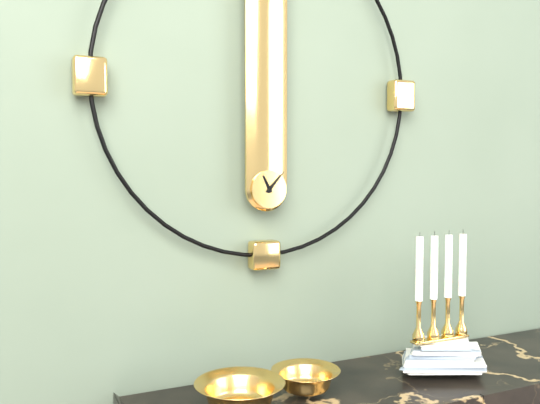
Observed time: 11:07
